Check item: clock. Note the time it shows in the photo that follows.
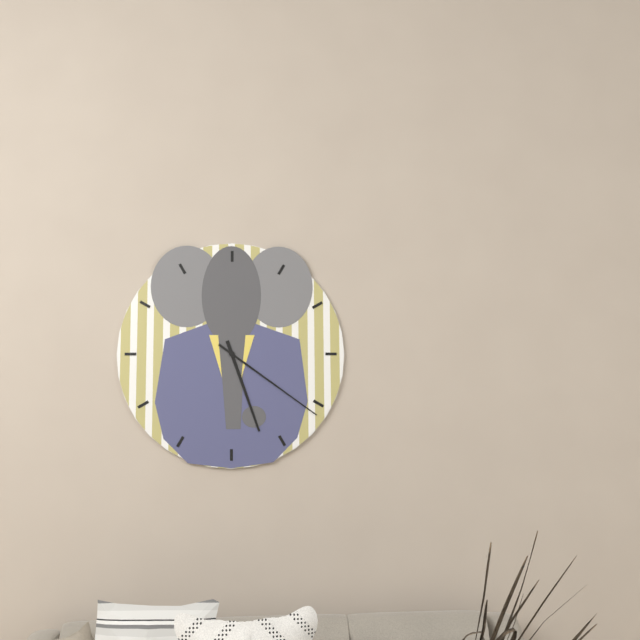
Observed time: 5:21
